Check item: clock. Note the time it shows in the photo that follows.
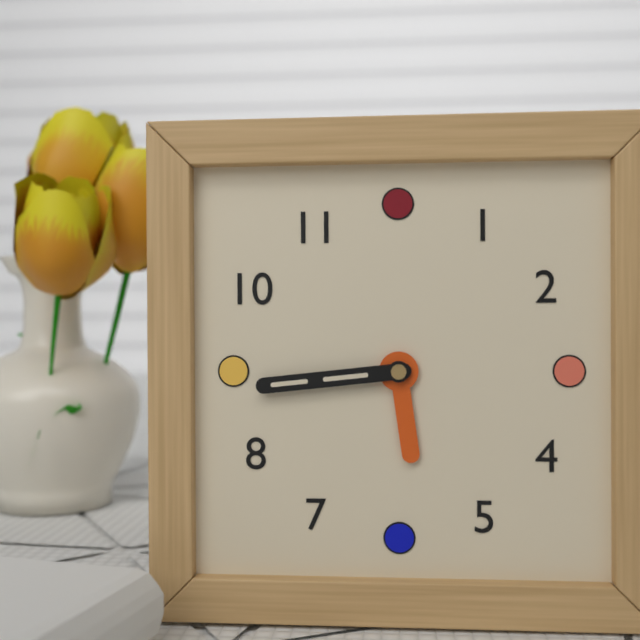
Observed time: 5:44
